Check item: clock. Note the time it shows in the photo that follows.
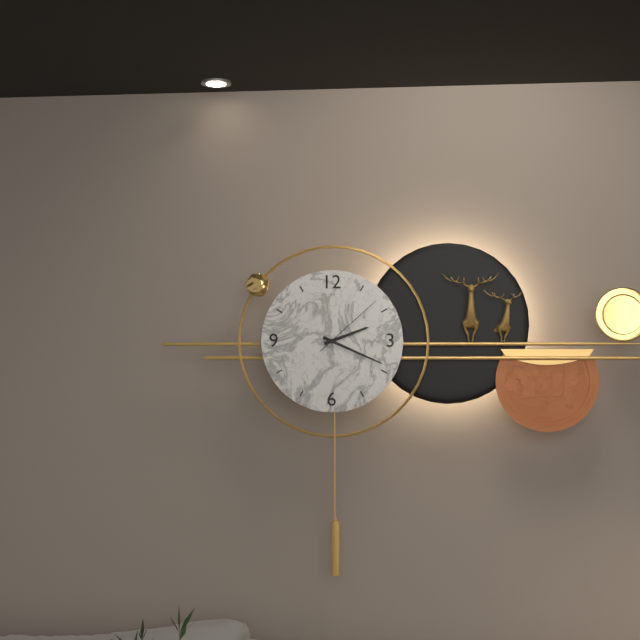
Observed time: 2:19:08
